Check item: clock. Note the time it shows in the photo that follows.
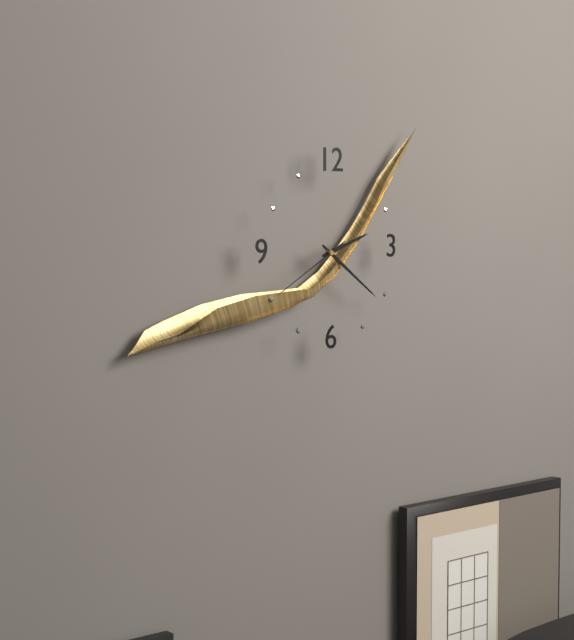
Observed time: 2:21:40
